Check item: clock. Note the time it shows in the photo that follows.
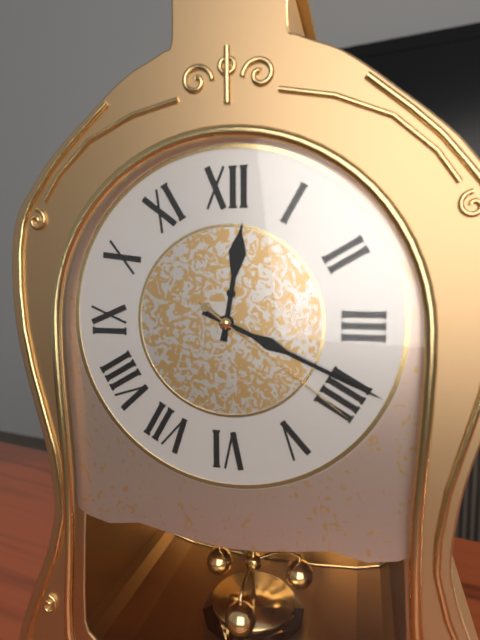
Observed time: 12:19:21
